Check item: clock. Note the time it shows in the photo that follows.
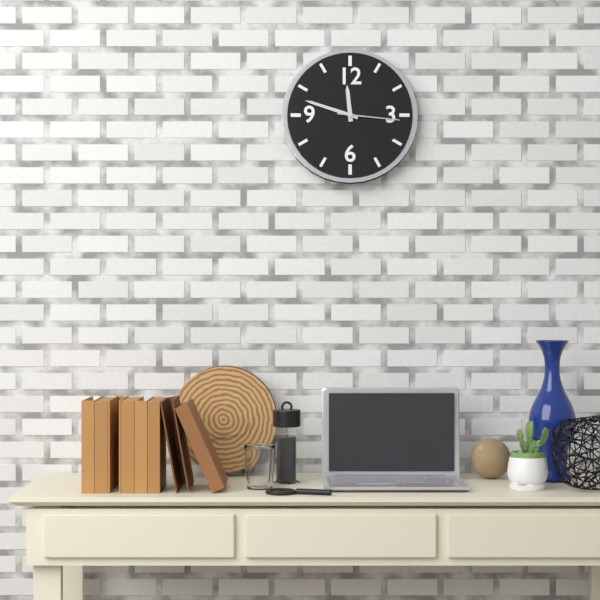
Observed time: 11:48:16
